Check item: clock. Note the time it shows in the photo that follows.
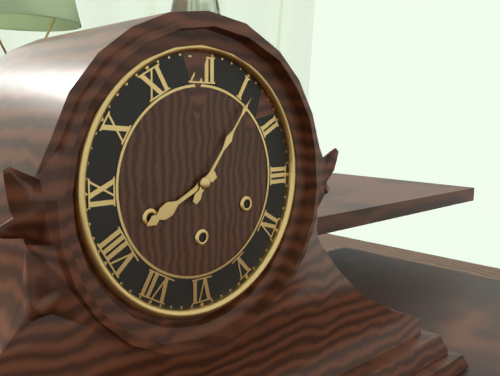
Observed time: 8:06
